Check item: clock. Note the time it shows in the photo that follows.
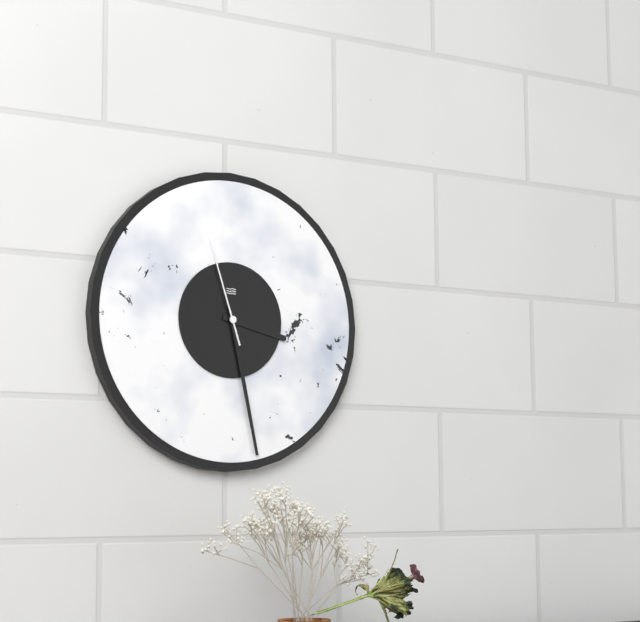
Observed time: 3:28:57
